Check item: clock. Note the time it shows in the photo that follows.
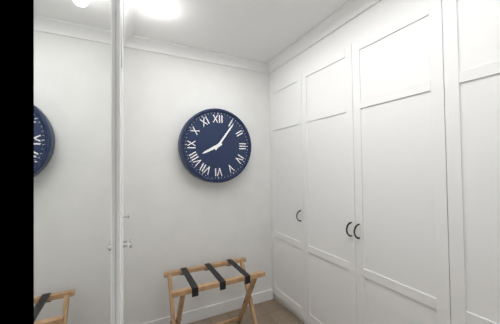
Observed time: 8:06
